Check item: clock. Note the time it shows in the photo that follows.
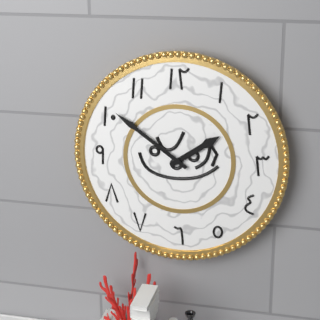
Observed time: 1:51
